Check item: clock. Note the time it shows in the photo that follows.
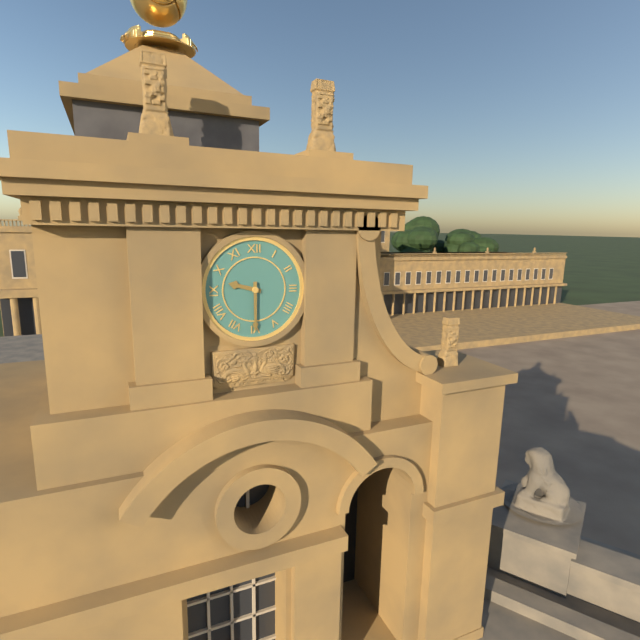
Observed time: 9:30
